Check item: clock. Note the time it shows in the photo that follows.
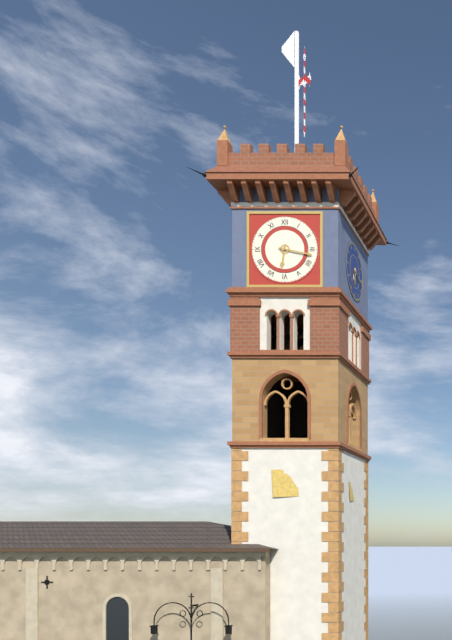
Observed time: 6:17
